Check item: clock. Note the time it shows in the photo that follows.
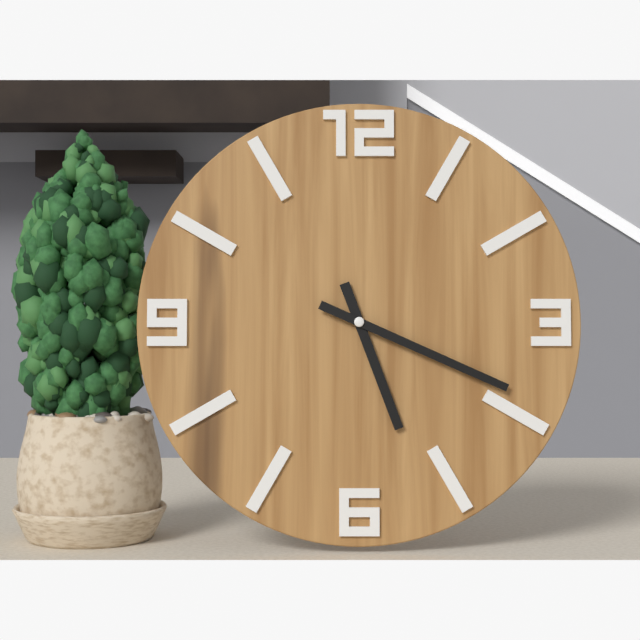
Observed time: 5:19
